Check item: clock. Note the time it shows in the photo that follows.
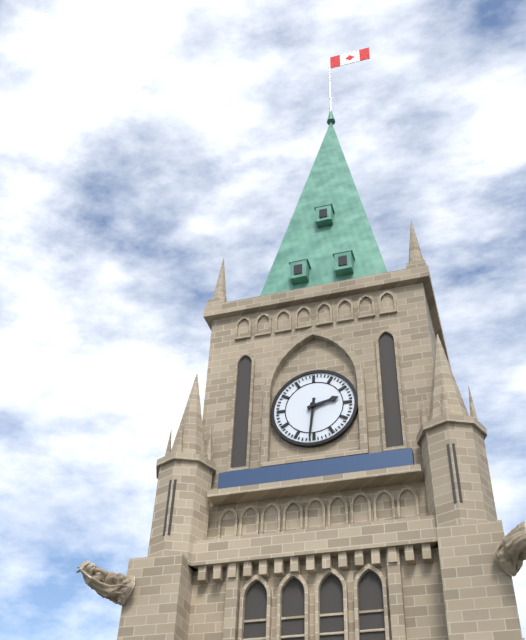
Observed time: 2:31
